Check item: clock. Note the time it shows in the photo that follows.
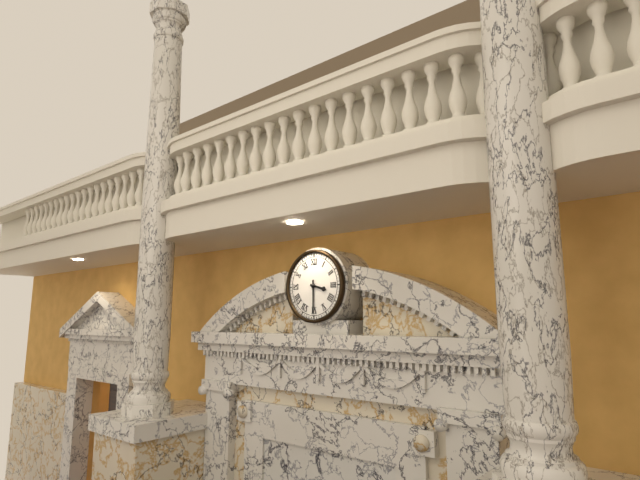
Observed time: 3:30
